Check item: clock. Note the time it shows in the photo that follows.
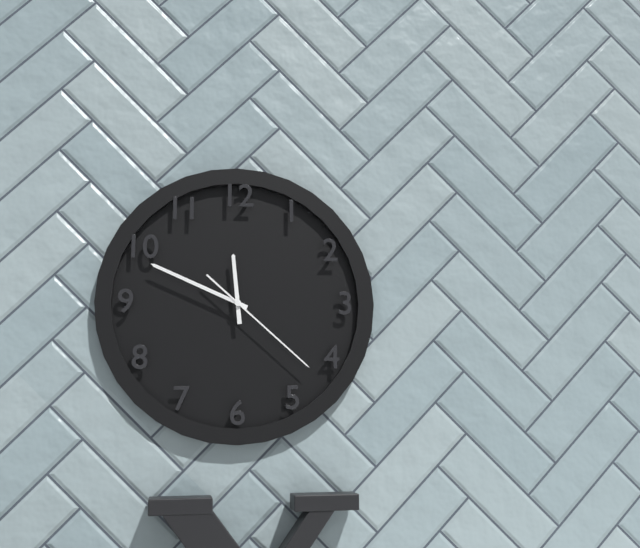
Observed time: 11:49:22
